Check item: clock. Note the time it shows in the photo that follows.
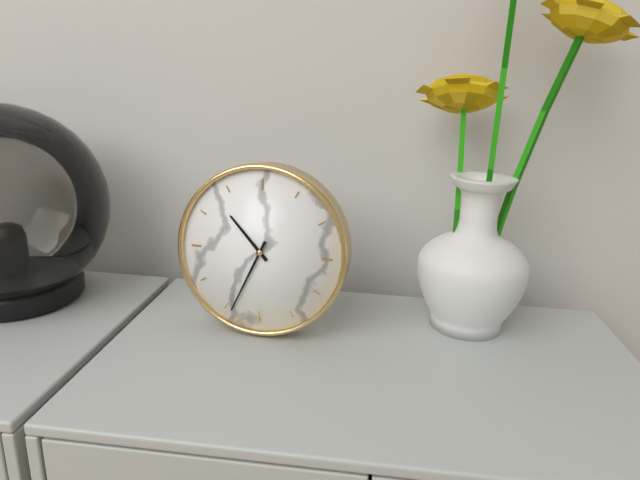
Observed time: 10:34
